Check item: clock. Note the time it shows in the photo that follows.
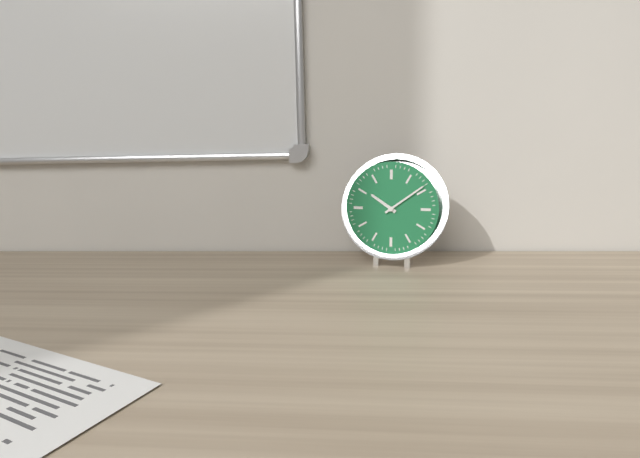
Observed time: 10:09
